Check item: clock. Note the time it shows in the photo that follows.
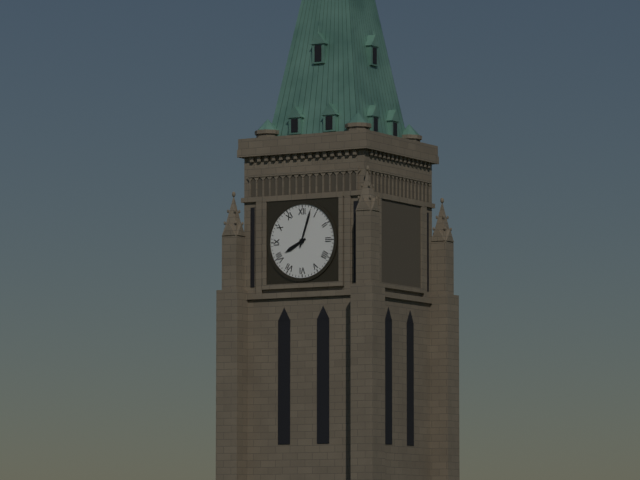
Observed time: 8:03
